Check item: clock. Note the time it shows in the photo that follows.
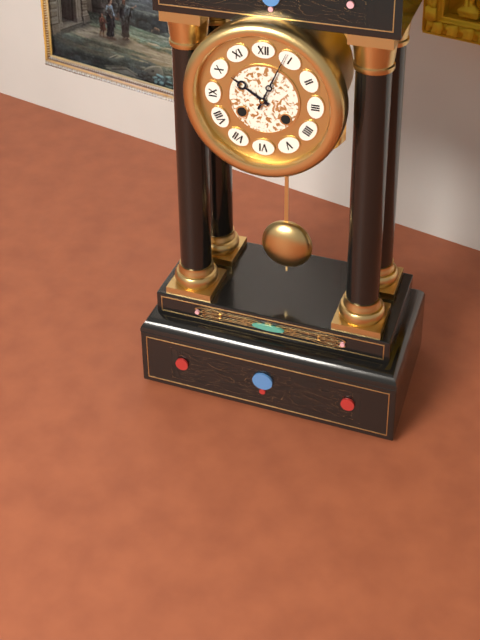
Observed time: 10:04
